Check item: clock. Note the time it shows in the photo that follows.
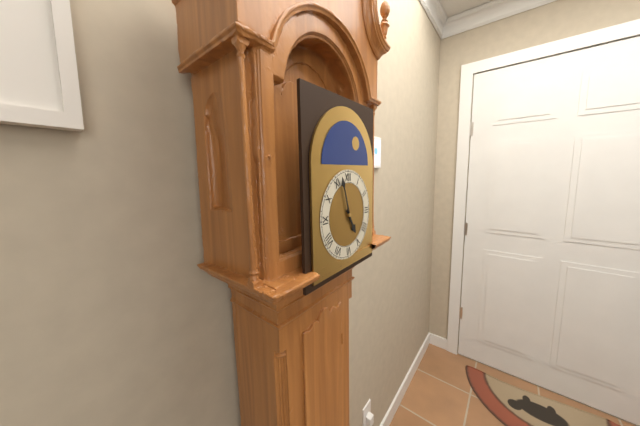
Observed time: 4:57
